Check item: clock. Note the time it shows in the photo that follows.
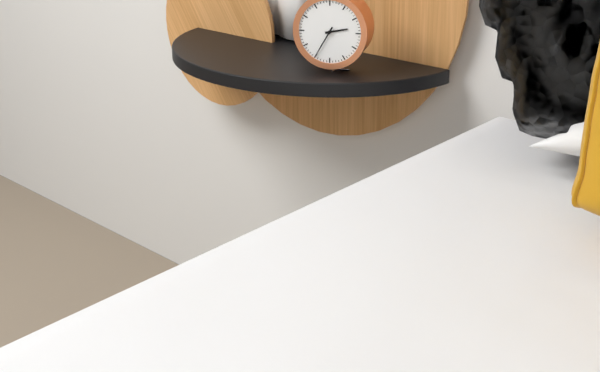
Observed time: 2:35
